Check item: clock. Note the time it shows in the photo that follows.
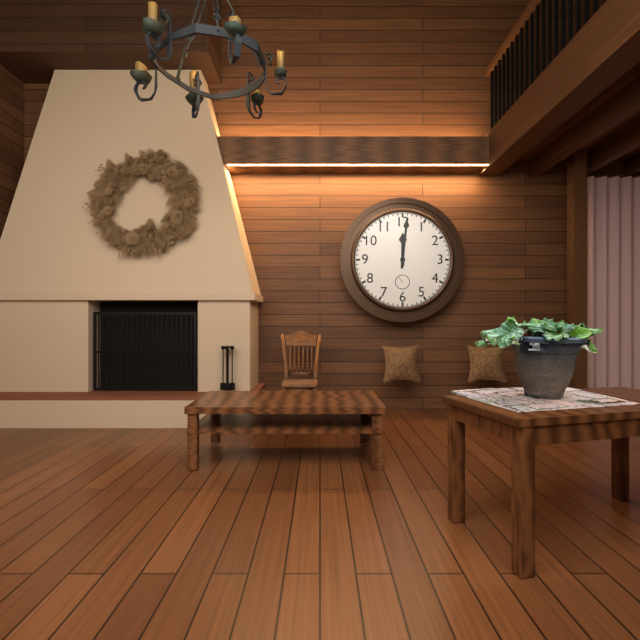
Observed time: 12:01
